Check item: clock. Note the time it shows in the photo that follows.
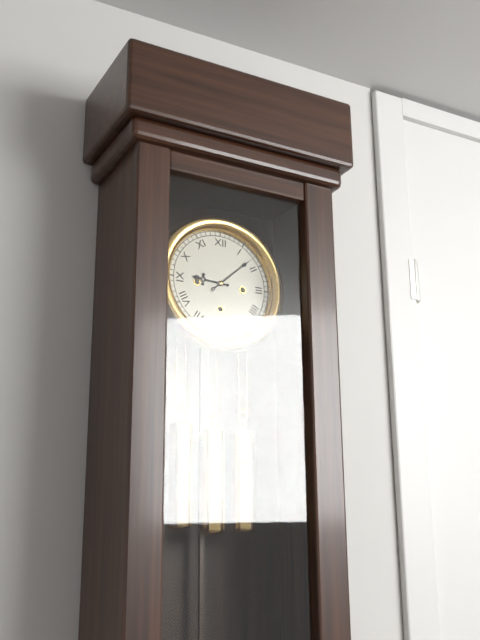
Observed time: 9:08
